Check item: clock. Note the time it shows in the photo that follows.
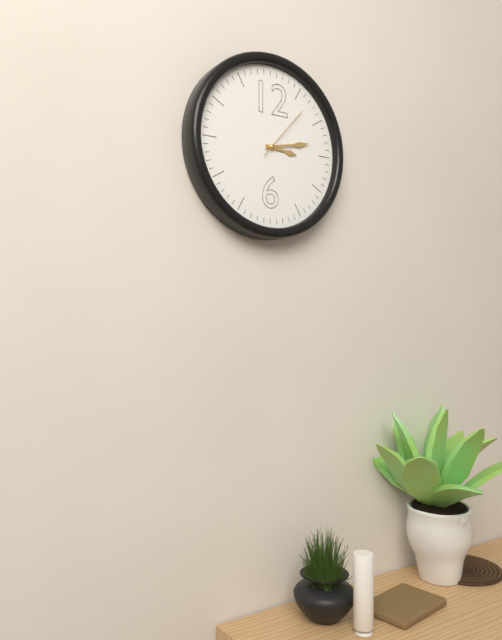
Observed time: 3:13:07
